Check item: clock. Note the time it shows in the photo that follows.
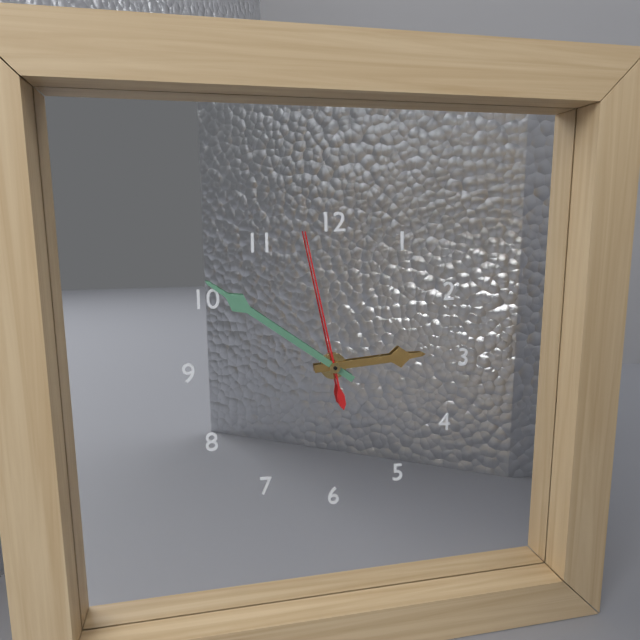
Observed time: 2:51:58
